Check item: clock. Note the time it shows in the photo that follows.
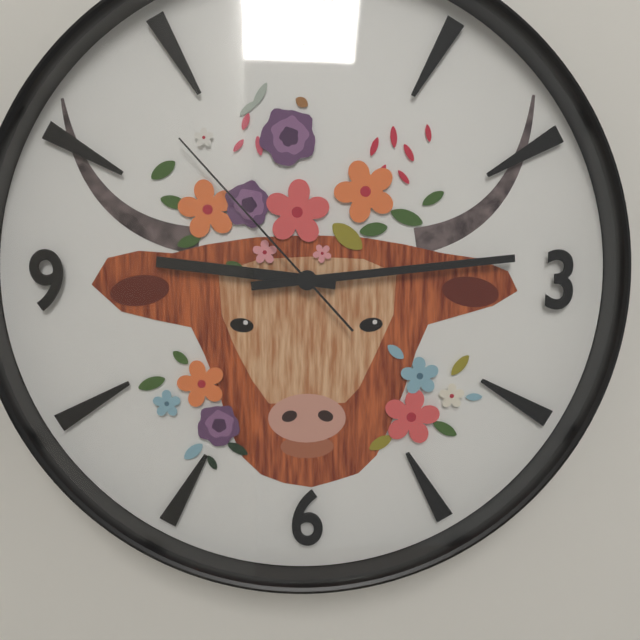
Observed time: 9:14:53
